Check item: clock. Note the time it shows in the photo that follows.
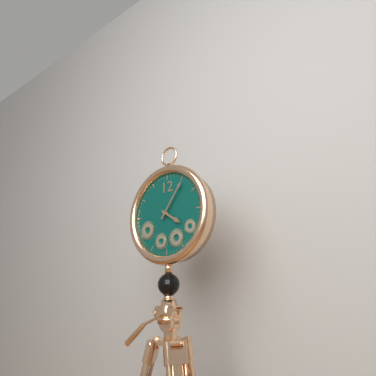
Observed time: 4:06
